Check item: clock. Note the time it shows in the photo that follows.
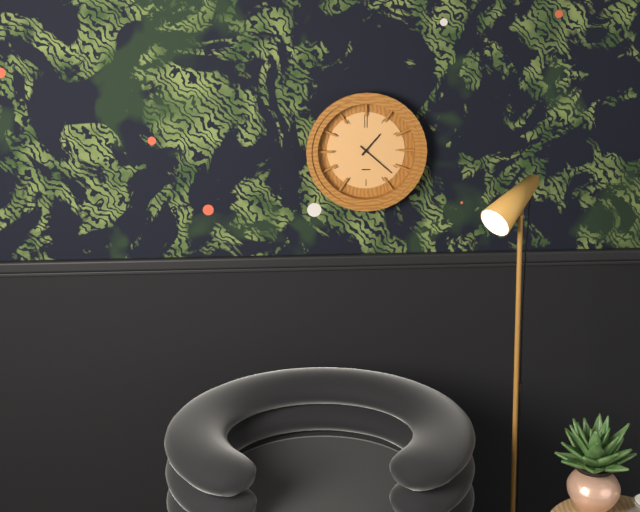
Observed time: 1:22
